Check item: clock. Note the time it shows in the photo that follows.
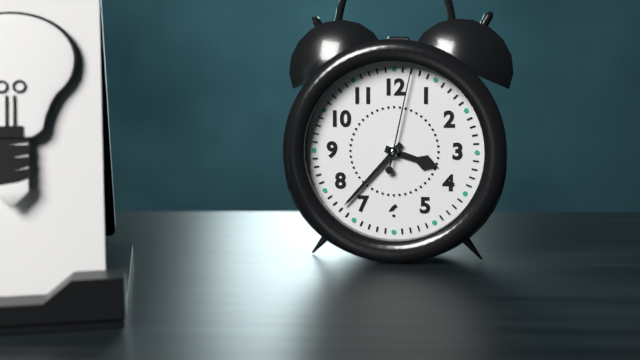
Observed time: 3:37:02
